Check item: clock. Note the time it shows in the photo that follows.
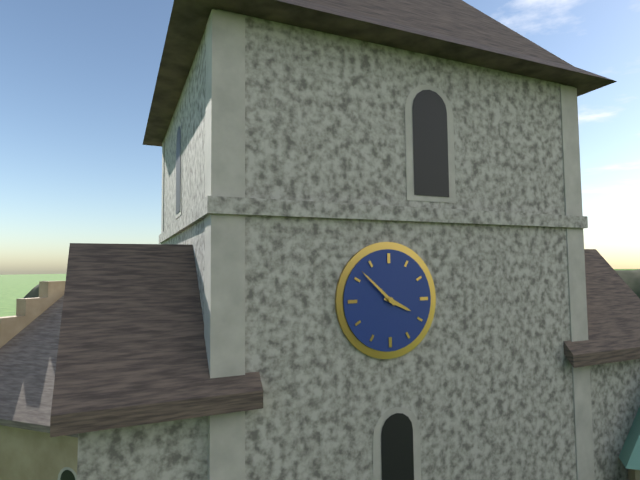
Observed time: 3:52
